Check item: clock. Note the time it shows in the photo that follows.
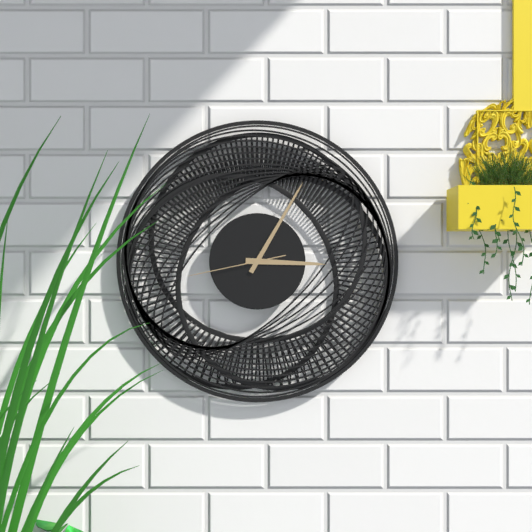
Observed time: 3:05:43
